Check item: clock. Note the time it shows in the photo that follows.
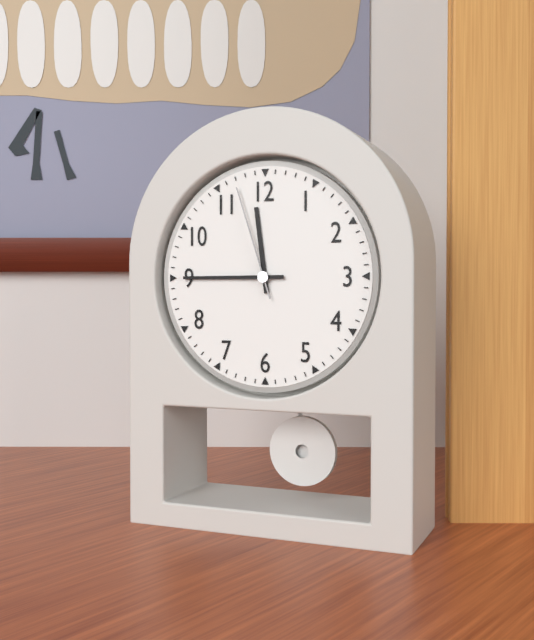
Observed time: 11:45:57
